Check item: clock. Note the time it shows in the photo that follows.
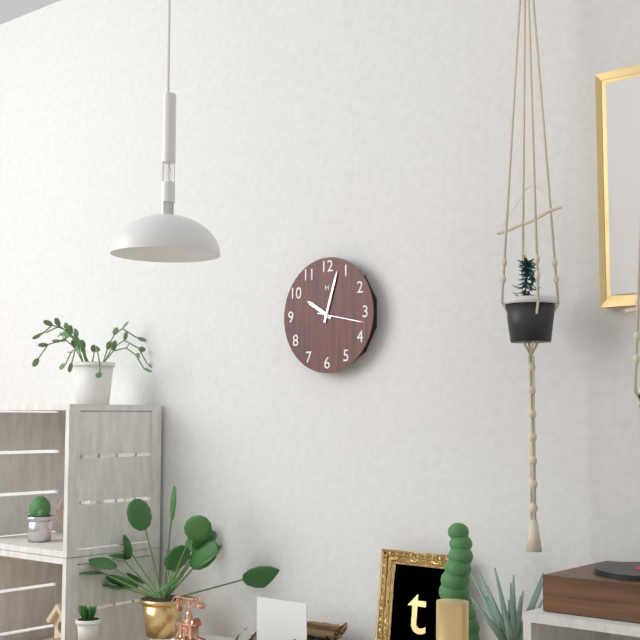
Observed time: 10:03
